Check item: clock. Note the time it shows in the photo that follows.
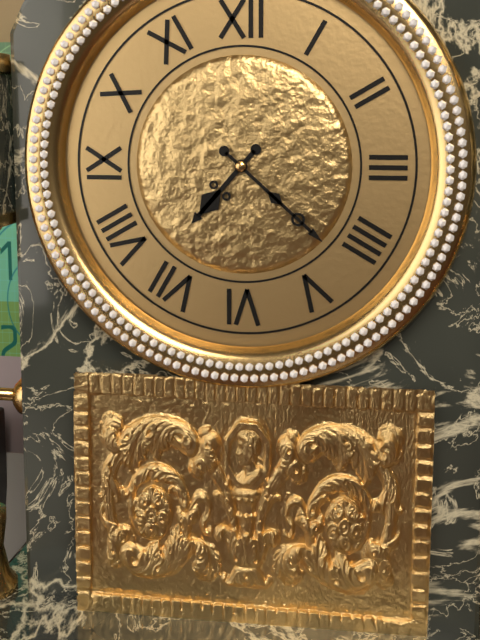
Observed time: 7:22
